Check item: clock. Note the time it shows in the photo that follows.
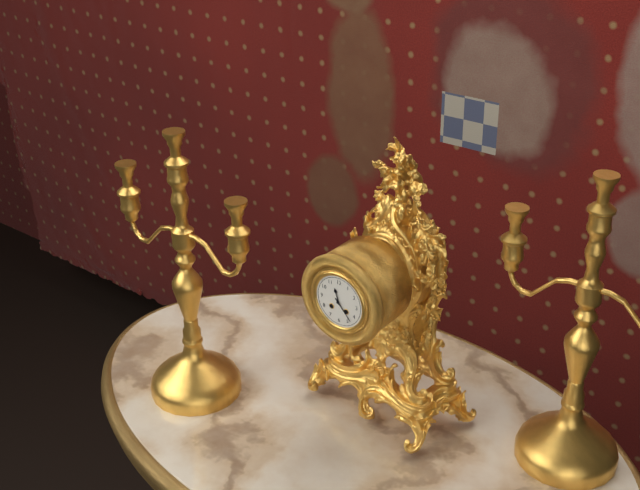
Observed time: 11:23
